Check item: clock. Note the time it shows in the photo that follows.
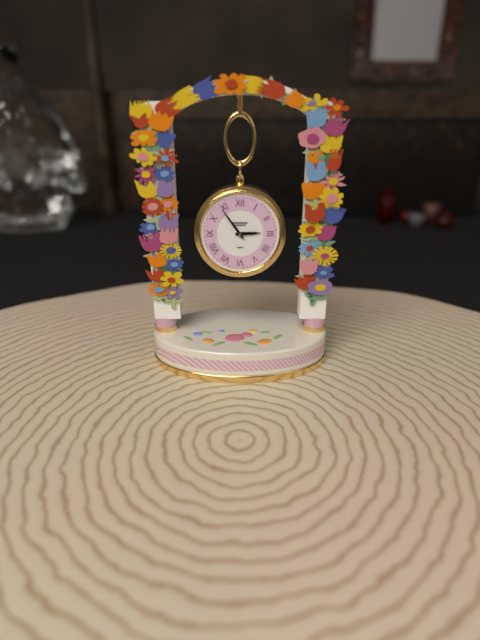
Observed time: 2:54
